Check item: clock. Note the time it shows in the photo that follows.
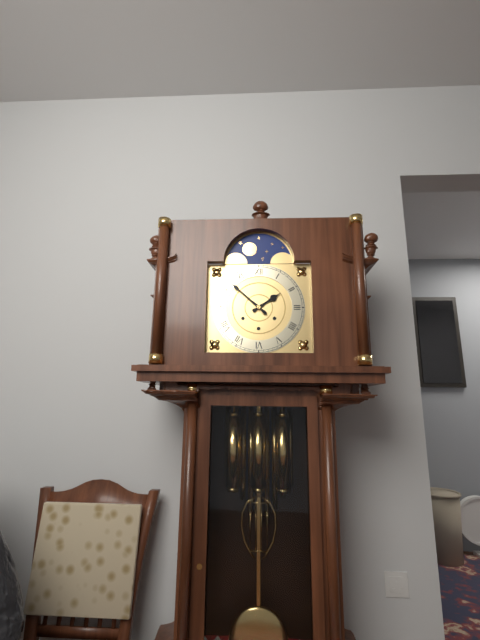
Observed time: 1:52
